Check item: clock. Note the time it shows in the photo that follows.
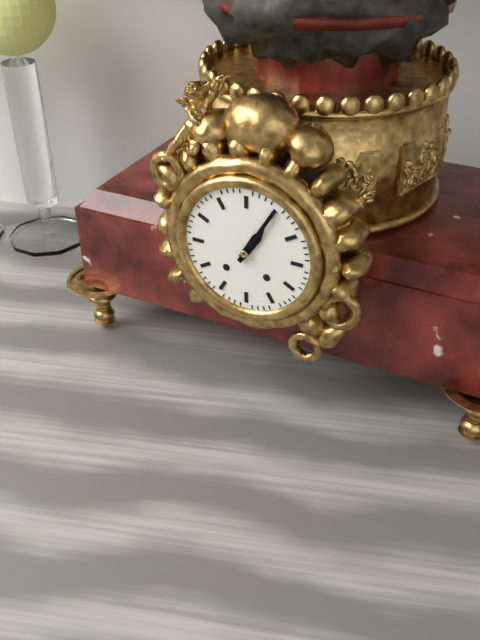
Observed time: 1:05
